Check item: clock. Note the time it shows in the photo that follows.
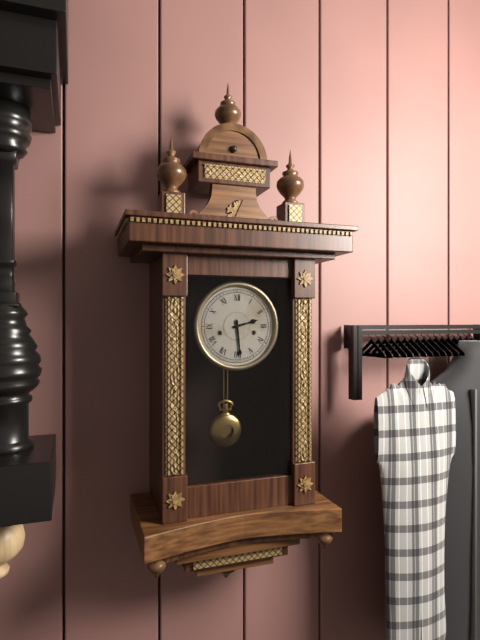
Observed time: 2:29
